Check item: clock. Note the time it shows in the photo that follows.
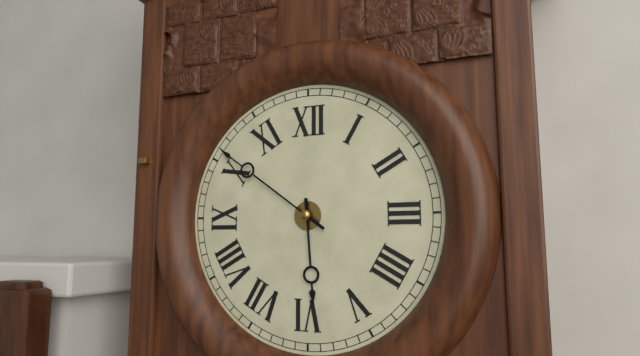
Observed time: 5:51
